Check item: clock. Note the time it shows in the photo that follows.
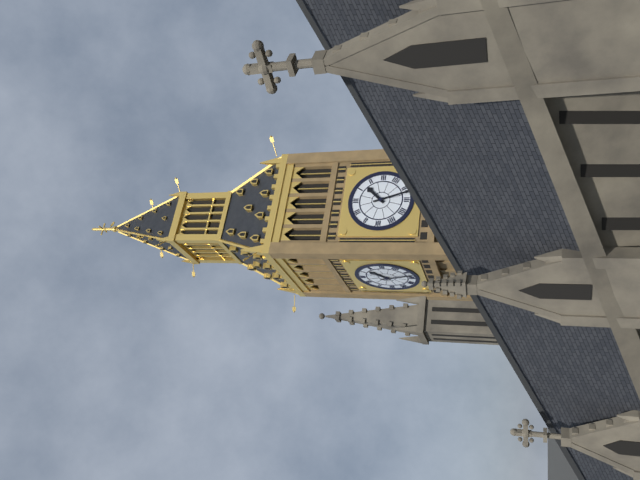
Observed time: 1:27
